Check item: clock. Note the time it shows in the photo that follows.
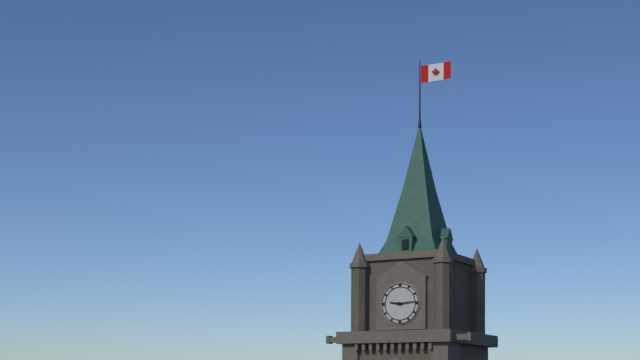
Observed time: 9:14
